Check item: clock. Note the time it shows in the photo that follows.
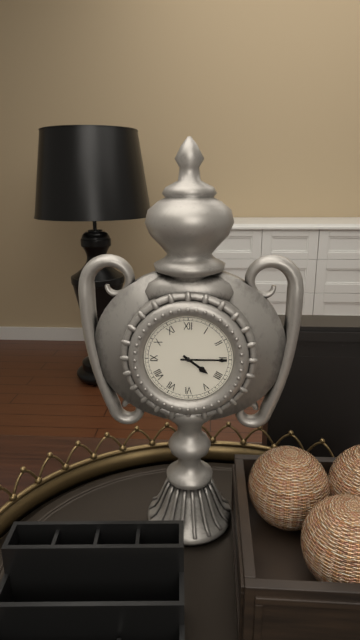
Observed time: 4:15
